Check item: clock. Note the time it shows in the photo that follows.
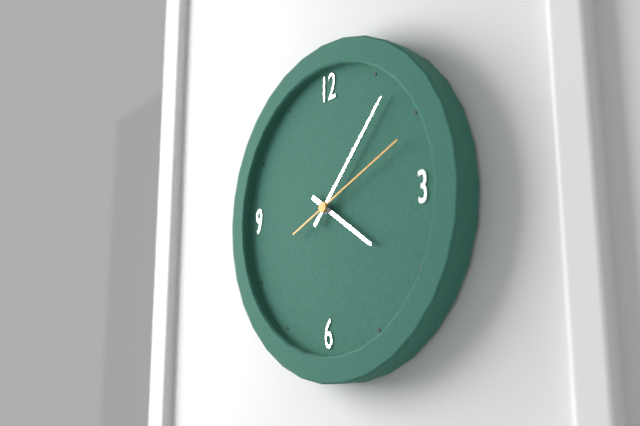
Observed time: 4:07:11
